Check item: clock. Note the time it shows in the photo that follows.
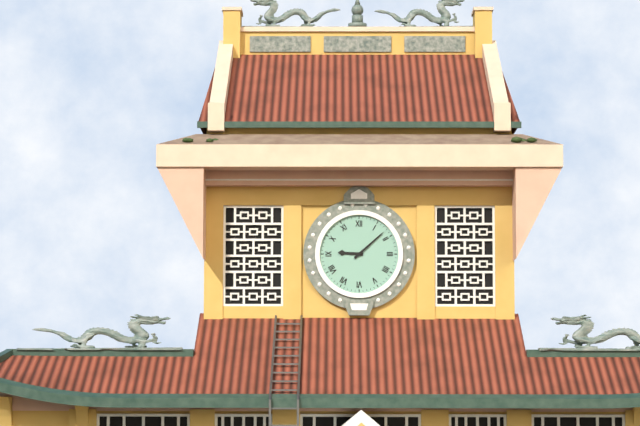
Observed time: 9:08
